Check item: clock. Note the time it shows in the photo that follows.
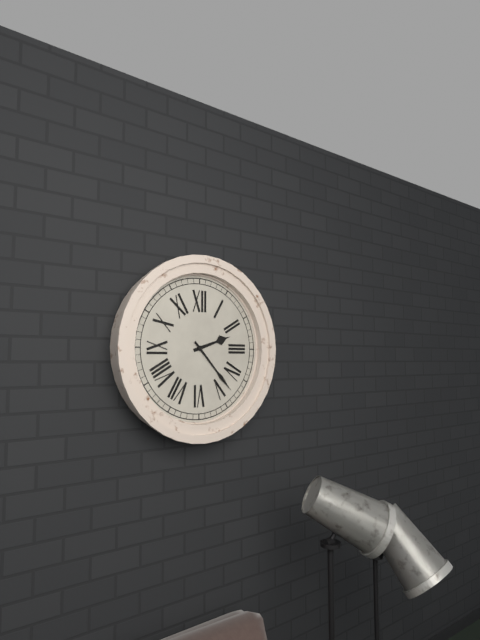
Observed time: 2:23
